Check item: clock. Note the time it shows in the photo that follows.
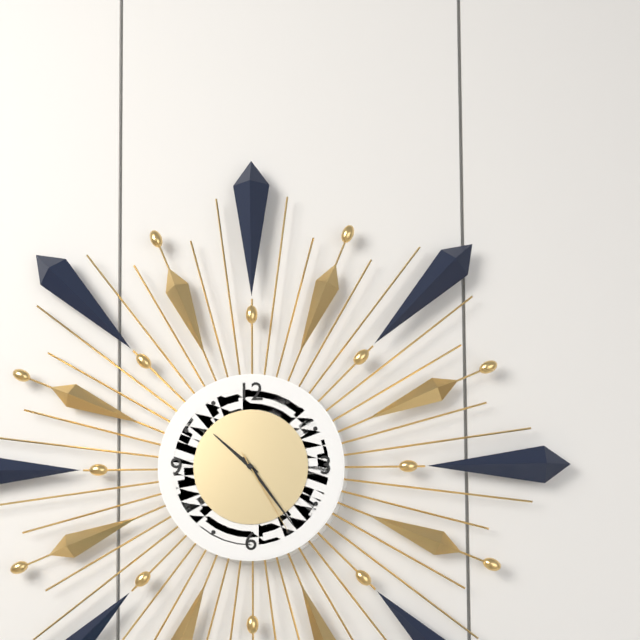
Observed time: 10:24:25
